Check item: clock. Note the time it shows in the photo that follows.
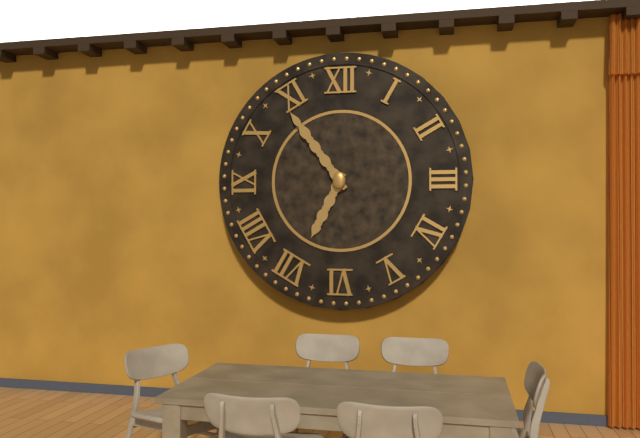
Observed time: 6:54
